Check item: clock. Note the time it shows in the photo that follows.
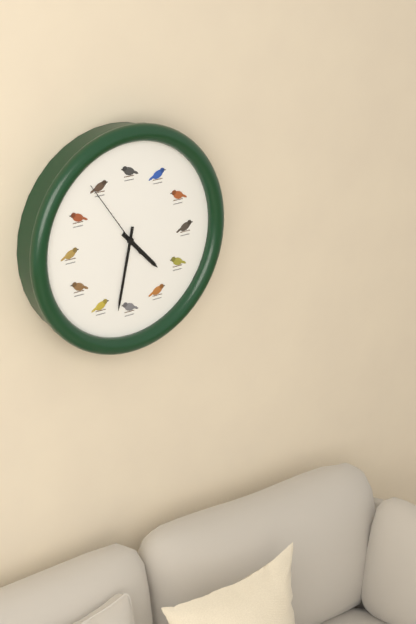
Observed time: 4:32:54
